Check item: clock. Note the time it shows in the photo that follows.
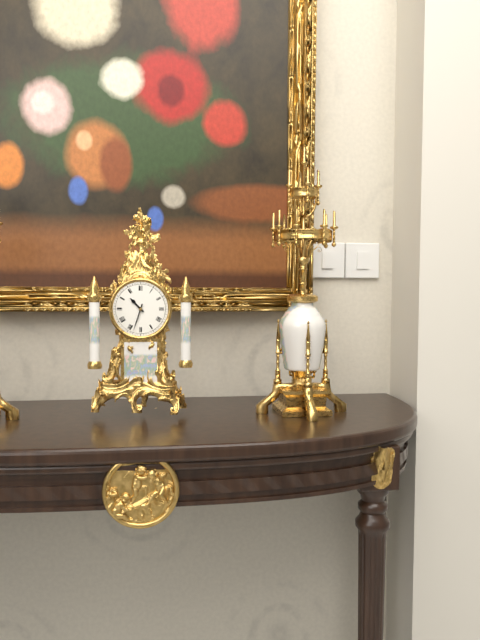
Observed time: 10:33
